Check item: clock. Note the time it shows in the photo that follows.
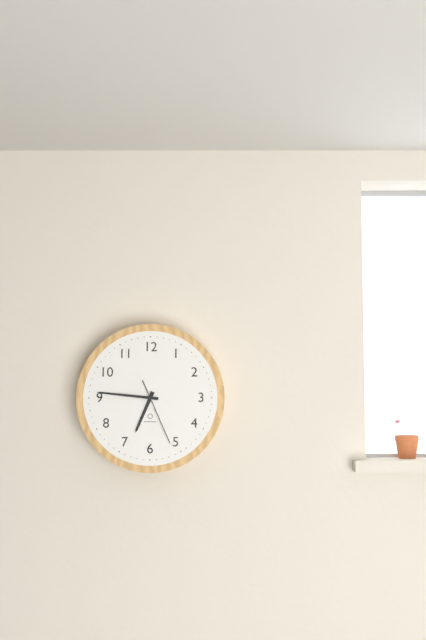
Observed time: 6:46:26
